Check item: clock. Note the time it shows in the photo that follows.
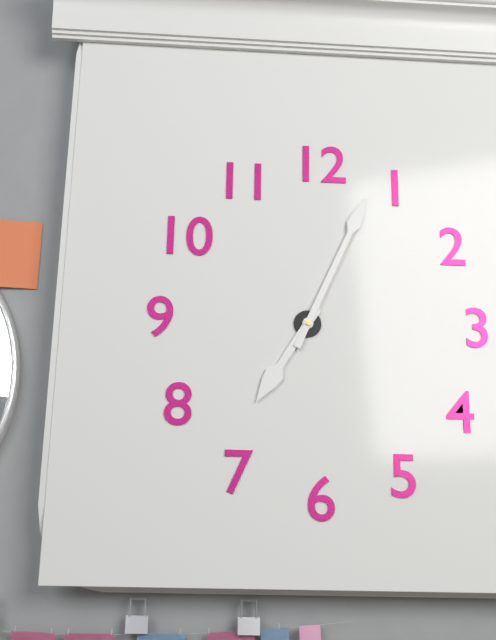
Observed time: 7:04
